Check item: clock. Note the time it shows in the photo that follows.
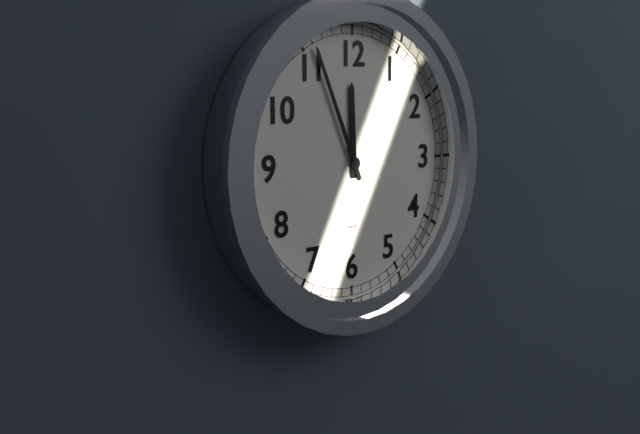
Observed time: 11:56
